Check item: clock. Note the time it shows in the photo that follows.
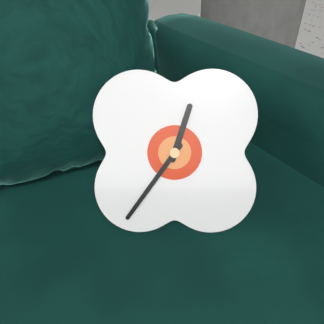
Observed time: 12:36
